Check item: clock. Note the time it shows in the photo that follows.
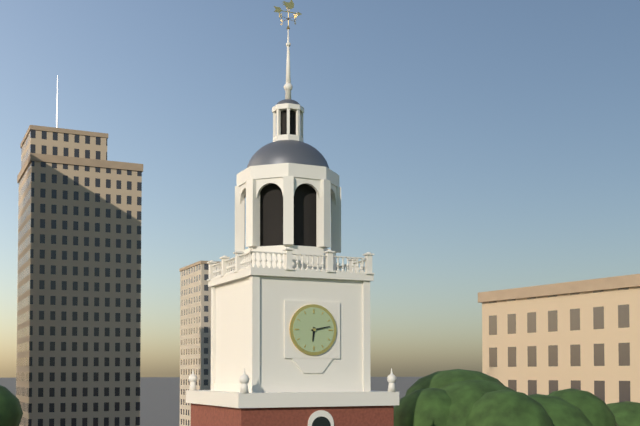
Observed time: 6:13
